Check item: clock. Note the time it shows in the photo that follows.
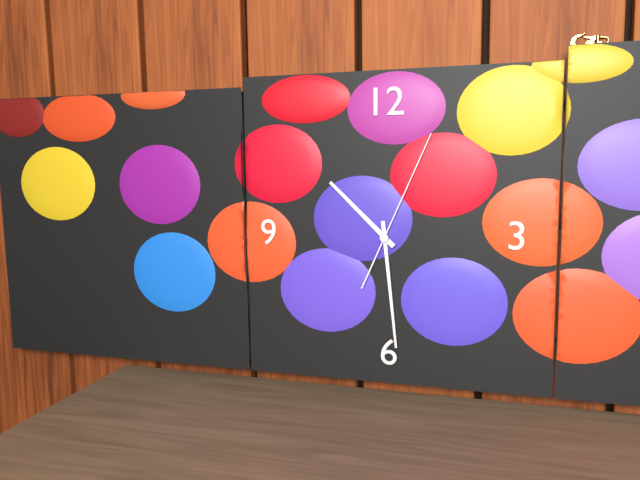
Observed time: 10:29:04
